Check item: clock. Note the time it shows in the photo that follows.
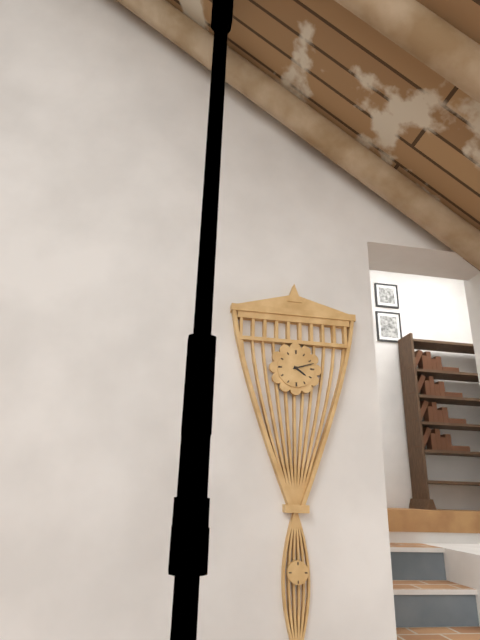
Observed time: 4:12
